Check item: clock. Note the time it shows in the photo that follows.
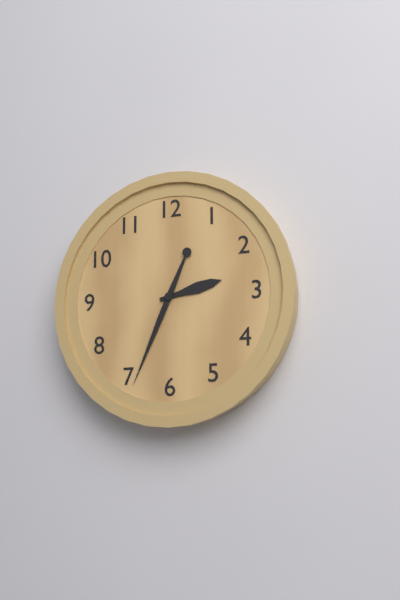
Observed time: 2:34
